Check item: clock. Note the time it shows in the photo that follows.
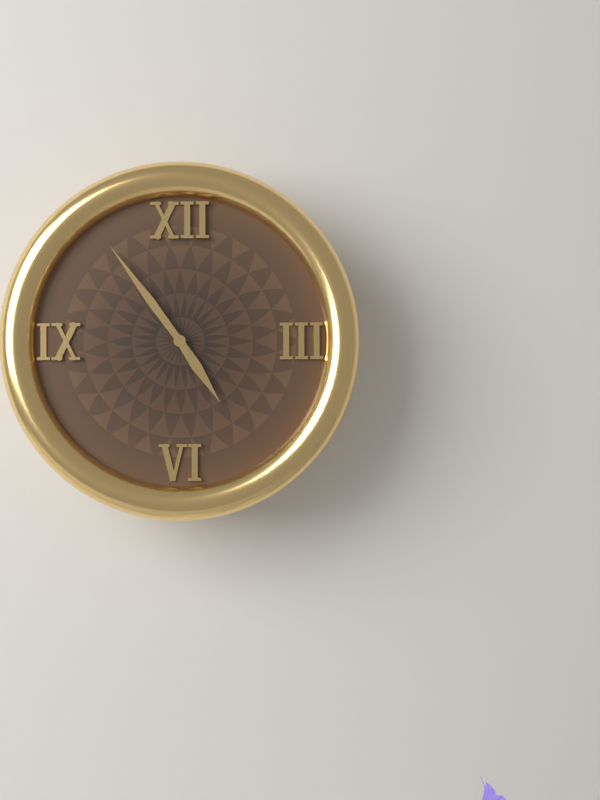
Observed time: 4:54
